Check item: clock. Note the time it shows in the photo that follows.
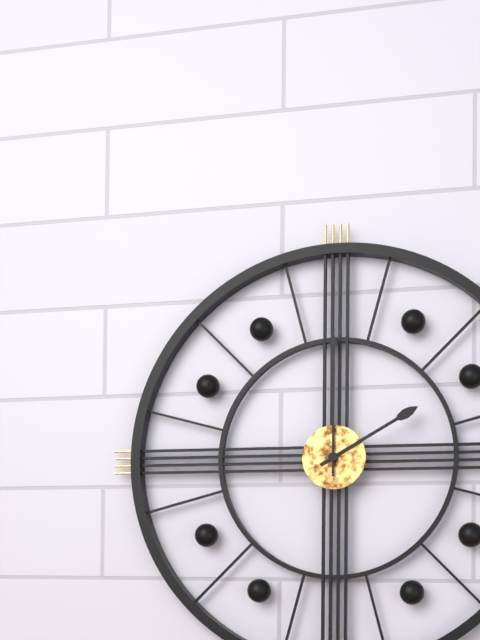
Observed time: 2:00
